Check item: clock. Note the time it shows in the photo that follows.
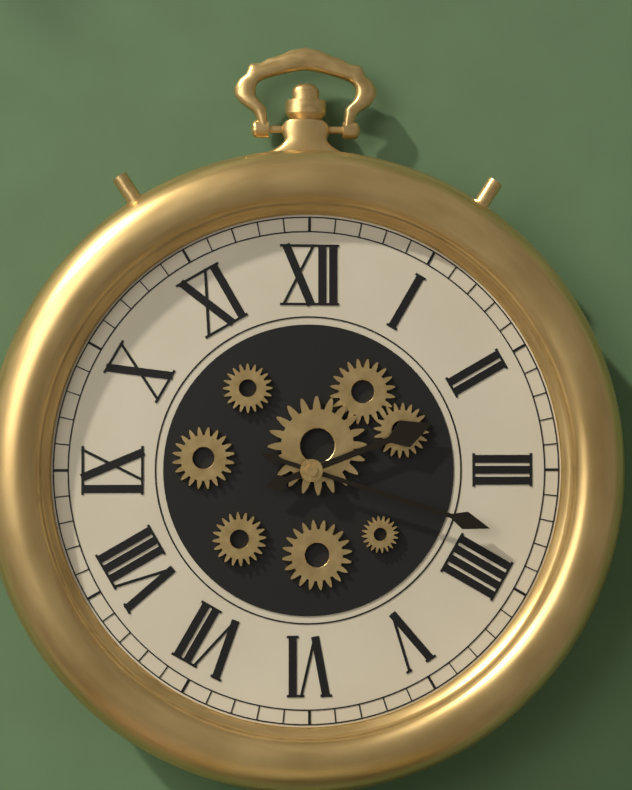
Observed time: 2:18
